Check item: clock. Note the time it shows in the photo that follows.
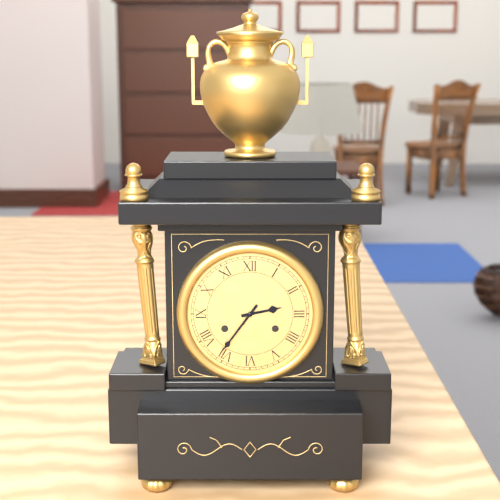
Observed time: 2:36
